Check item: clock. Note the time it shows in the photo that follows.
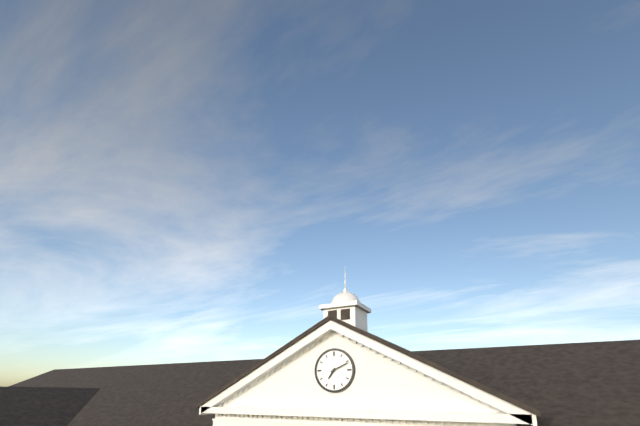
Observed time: 7:11
